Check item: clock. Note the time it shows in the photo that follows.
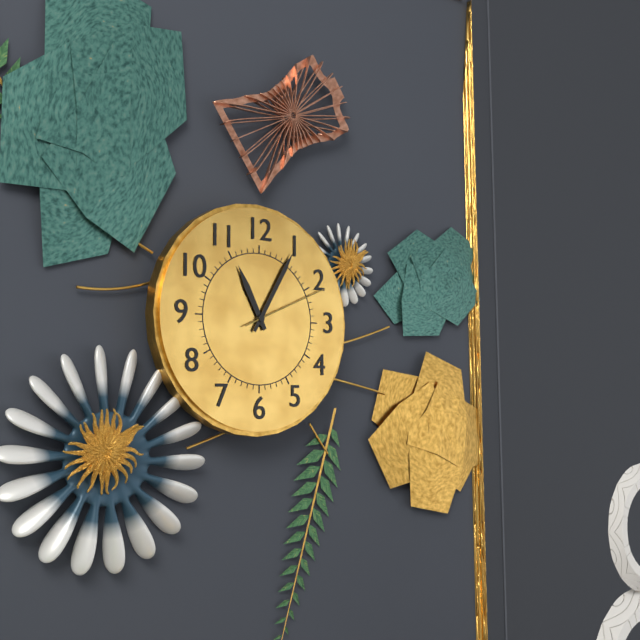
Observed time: 11:05:11
